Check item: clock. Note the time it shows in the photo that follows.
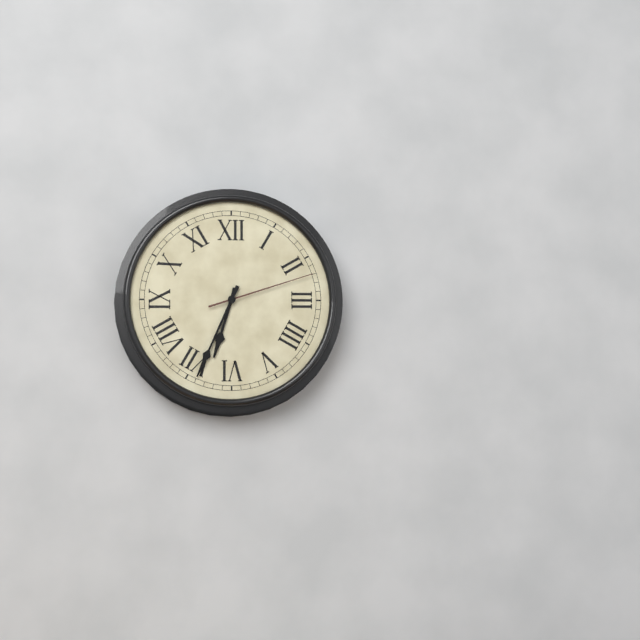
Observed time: 6:34:12
